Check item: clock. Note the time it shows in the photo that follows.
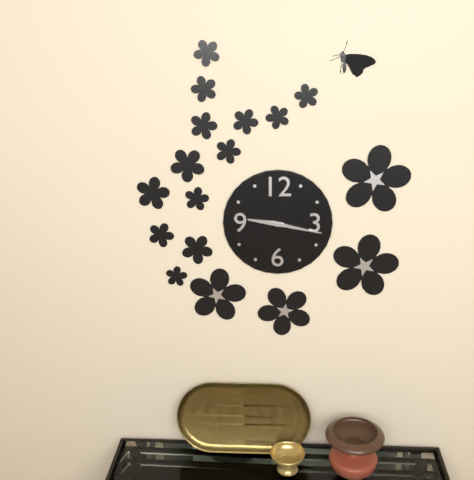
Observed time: 9:17
